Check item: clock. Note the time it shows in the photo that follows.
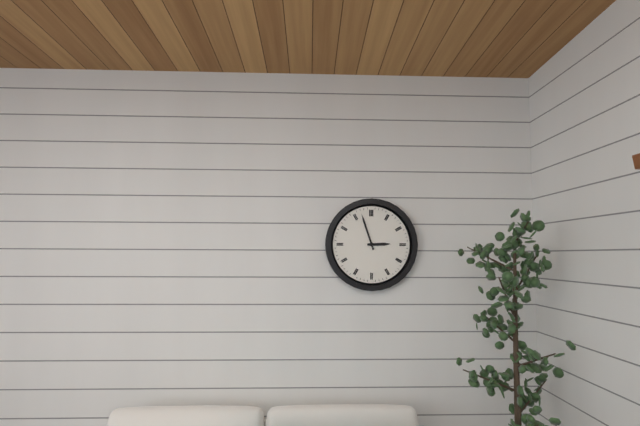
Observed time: 2:57
